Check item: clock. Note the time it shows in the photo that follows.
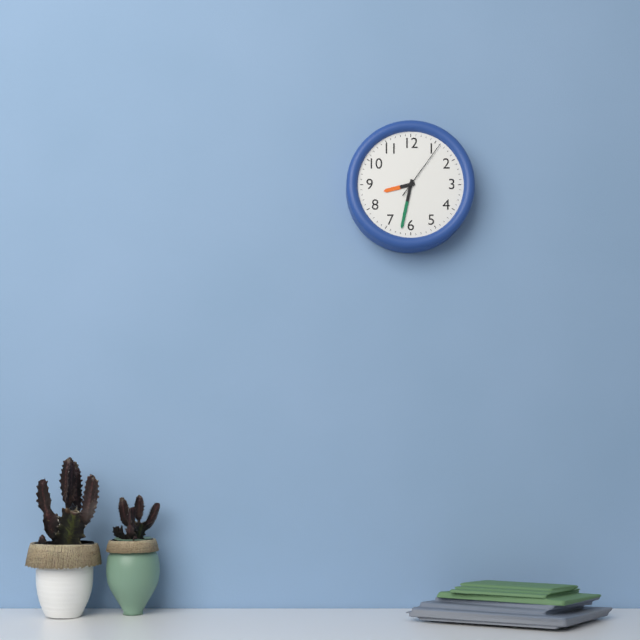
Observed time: 8:32:06
